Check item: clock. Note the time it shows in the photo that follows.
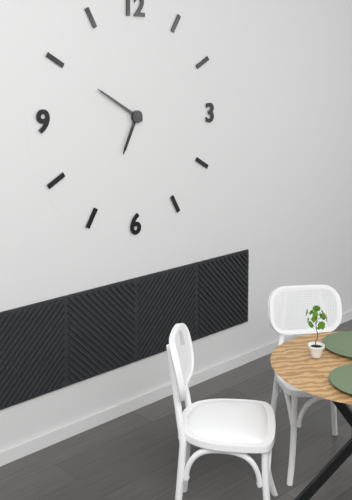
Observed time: 6:50
